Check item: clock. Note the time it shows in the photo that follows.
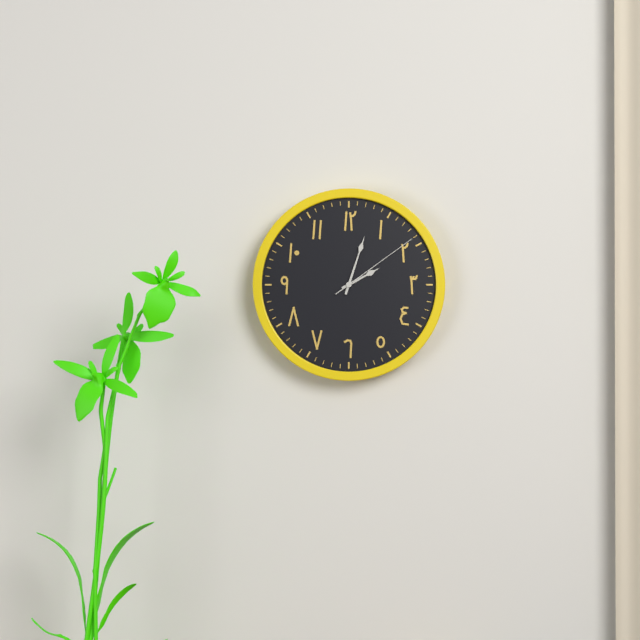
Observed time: 2:03:09
